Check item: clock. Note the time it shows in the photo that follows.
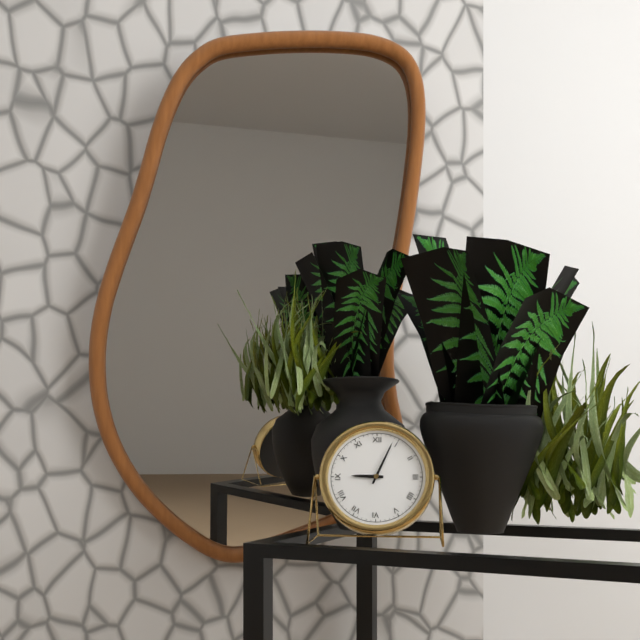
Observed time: 9:04
